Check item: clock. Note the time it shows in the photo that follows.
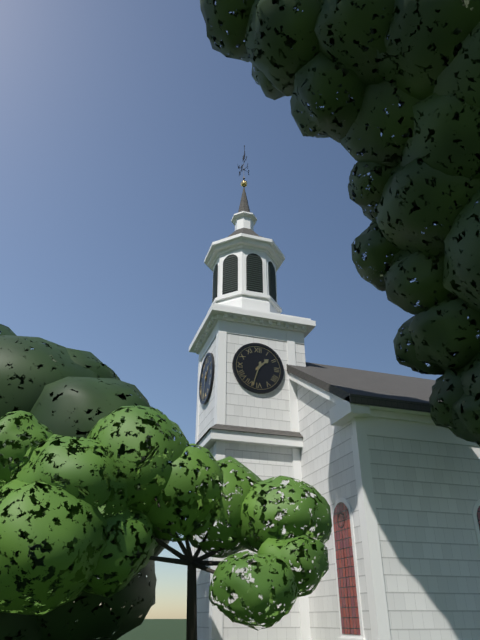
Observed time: 1:33
